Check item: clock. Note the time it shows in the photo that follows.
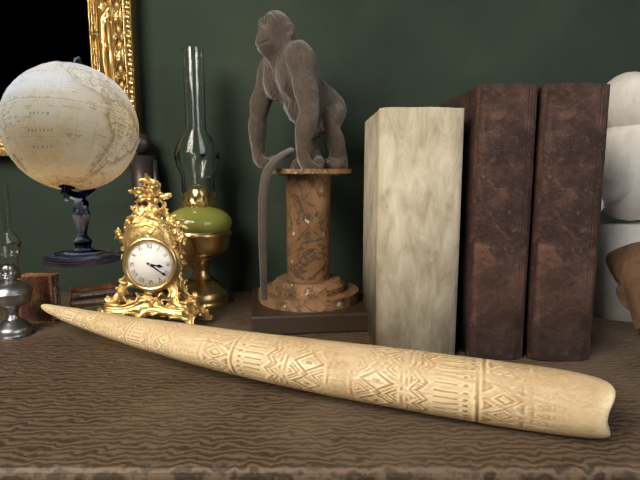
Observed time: 3:21
